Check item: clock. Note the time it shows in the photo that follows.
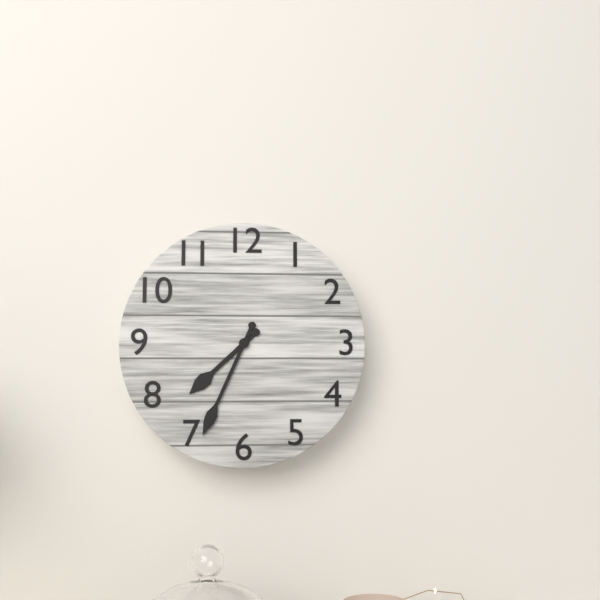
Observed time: 7:34
